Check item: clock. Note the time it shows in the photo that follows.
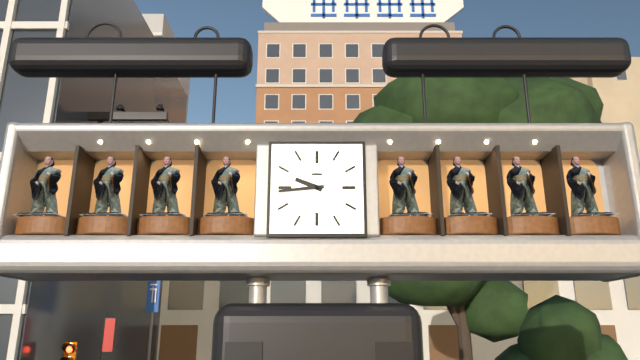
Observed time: 9:44
